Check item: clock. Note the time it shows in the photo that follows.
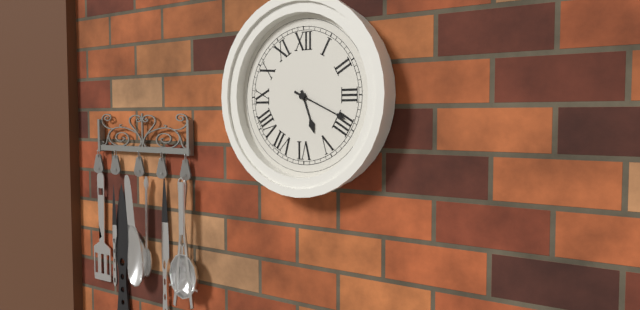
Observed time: 5:19
